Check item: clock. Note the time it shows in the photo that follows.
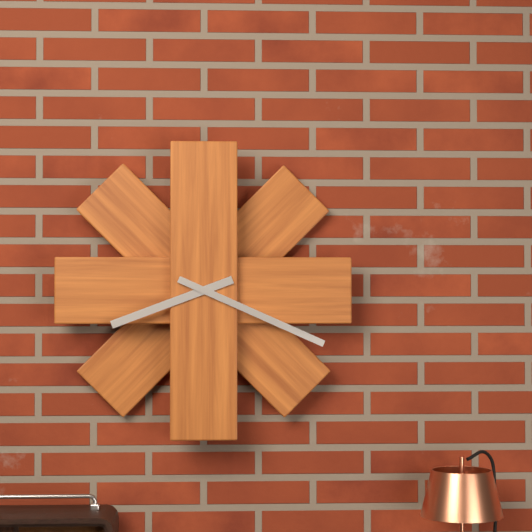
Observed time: 8:19
